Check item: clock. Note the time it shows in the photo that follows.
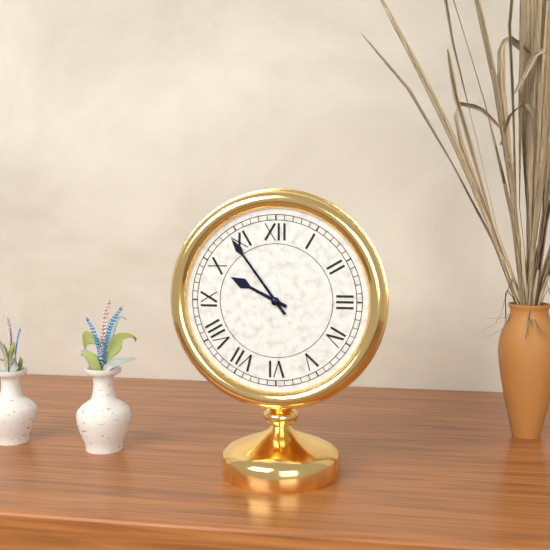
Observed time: 9:54
